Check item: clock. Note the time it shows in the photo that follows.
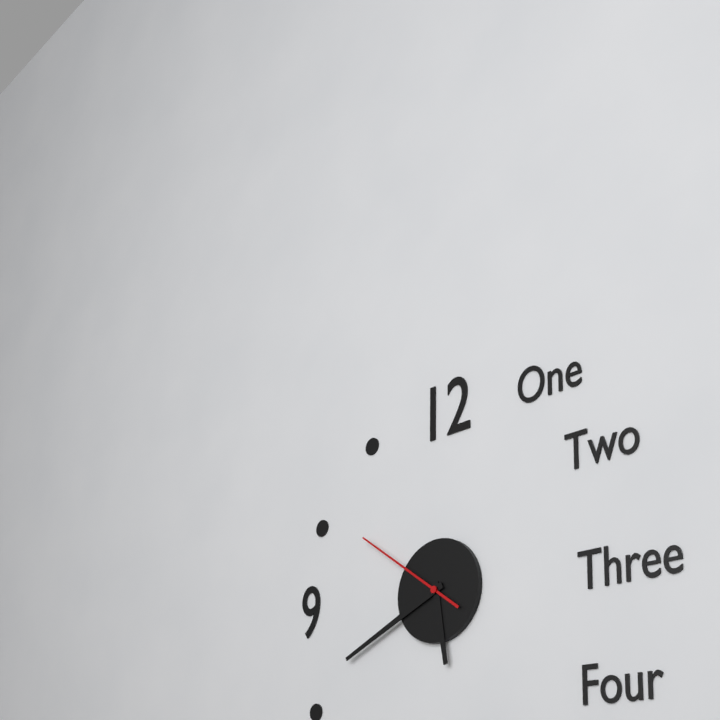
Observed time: 5:41:51
